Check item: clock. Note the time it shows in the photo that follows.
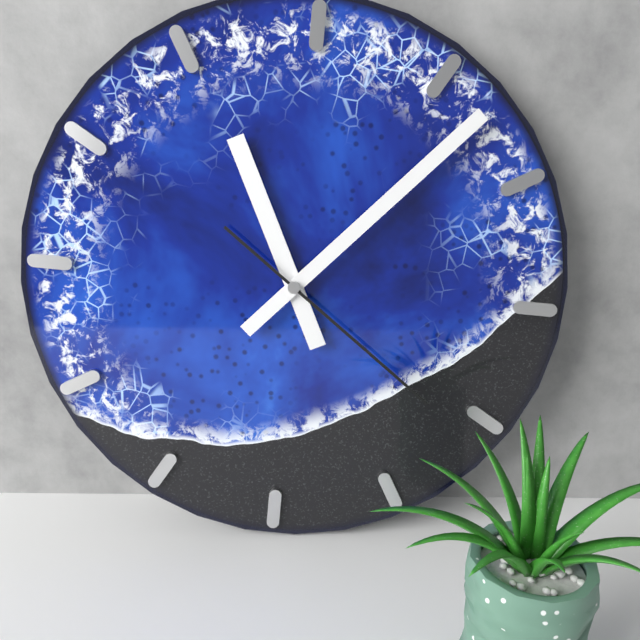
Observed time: 11:07:21
